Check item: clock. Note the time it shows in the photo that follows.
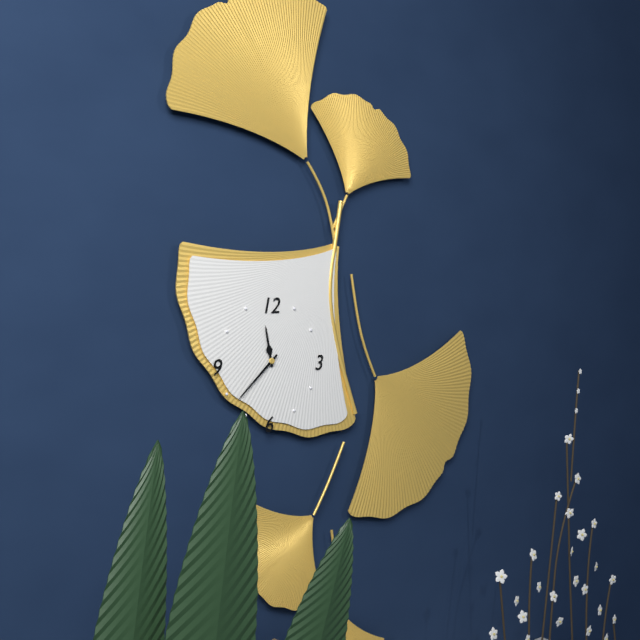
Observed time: 11:38
